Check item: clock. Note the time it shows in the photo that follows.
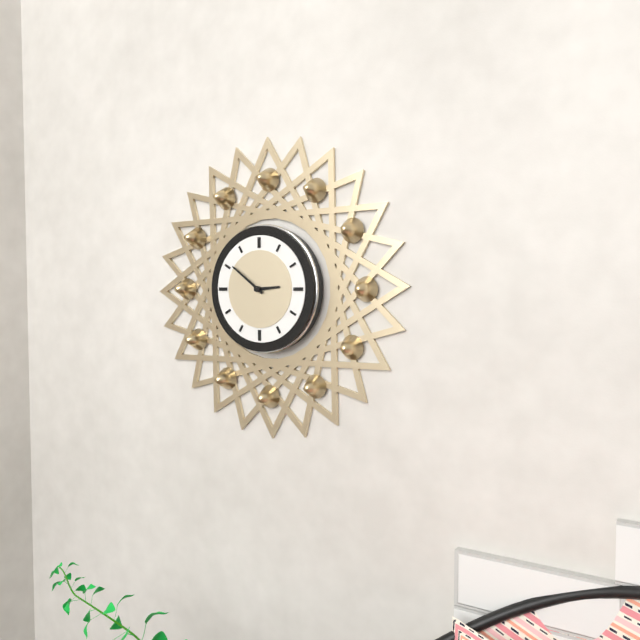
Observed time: 2:51
